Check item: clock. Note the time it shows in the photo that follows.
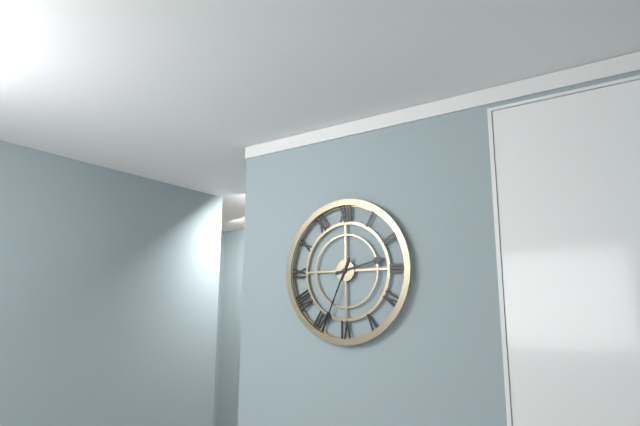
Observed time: 2:34
